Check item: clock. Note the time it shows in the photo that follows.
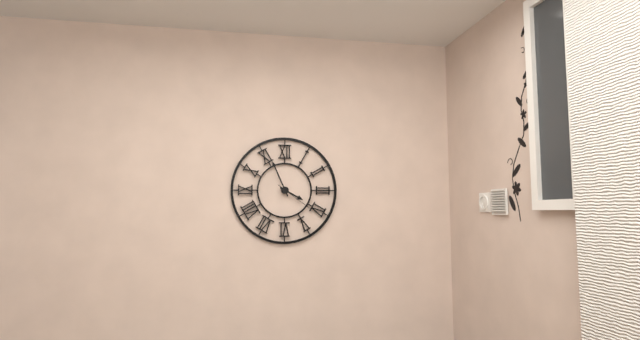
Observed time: 3:56
